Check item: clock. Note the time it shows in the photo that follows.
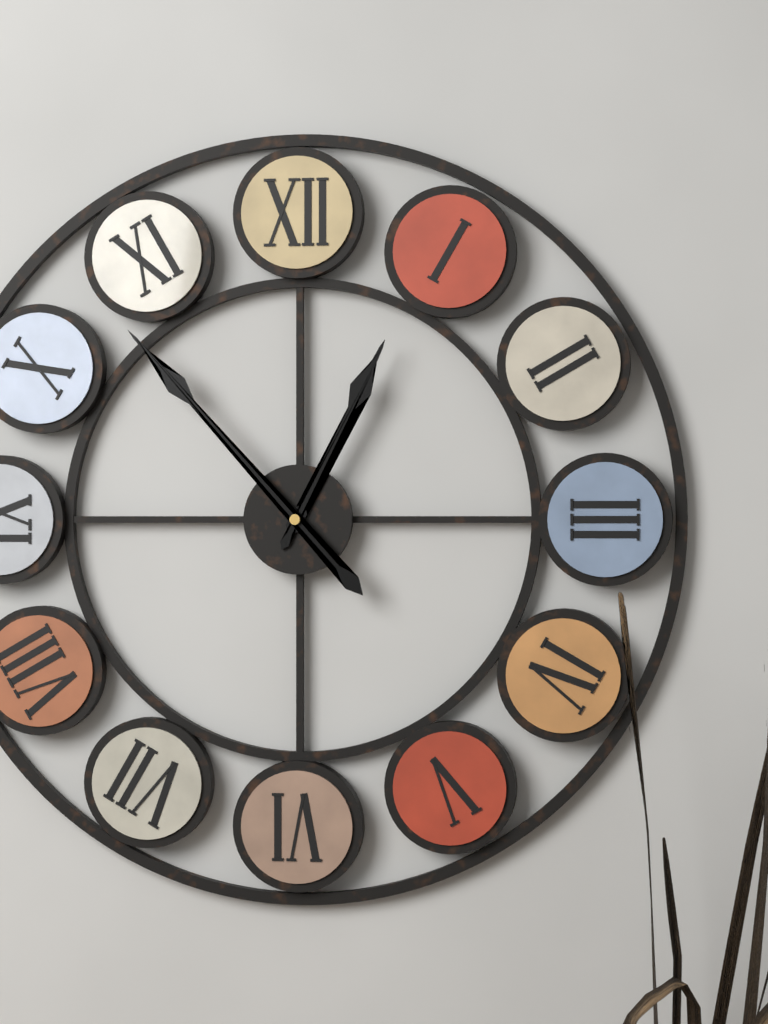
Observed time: 12:53
